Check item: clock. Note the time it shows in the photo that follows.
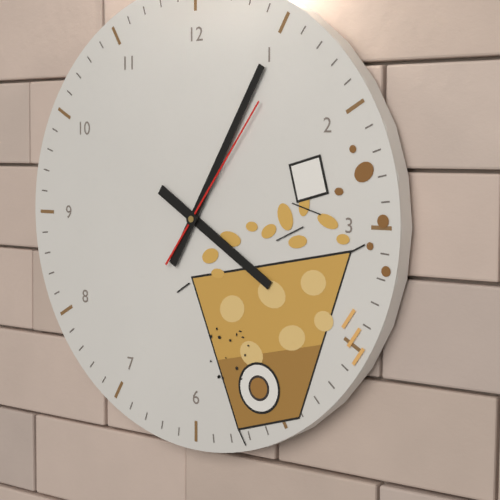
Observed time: 4:05:06
